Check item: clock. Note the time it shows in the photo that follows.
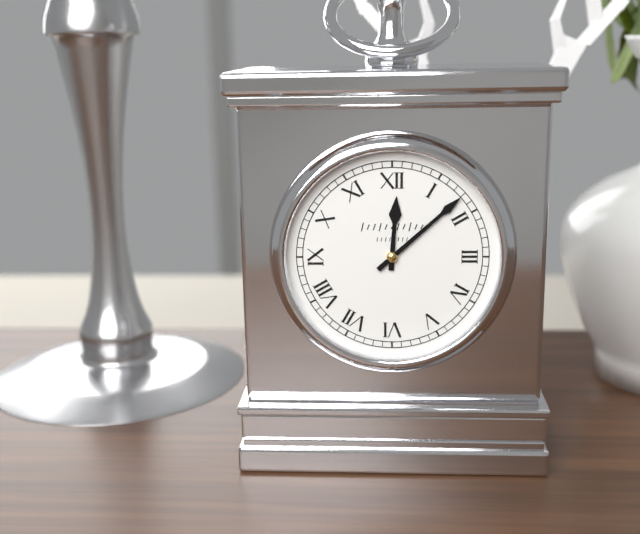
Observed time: 12:08
